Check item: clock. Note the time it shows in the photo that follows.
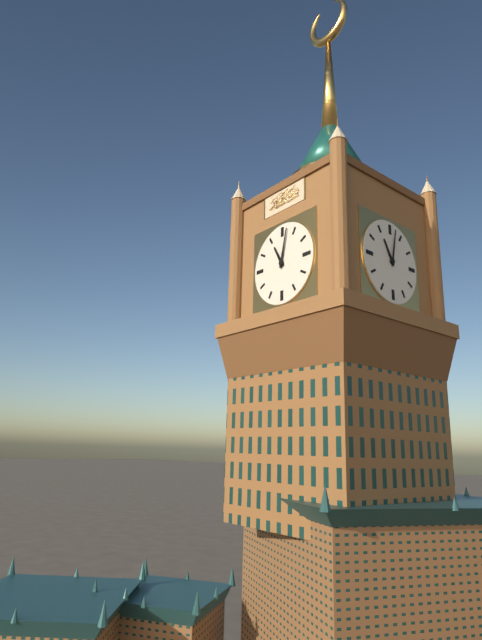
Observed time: 11:02
